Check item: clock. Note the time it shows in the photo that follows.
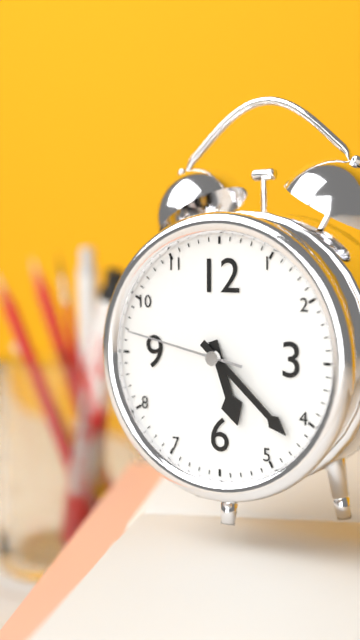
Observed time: 5:22:47
